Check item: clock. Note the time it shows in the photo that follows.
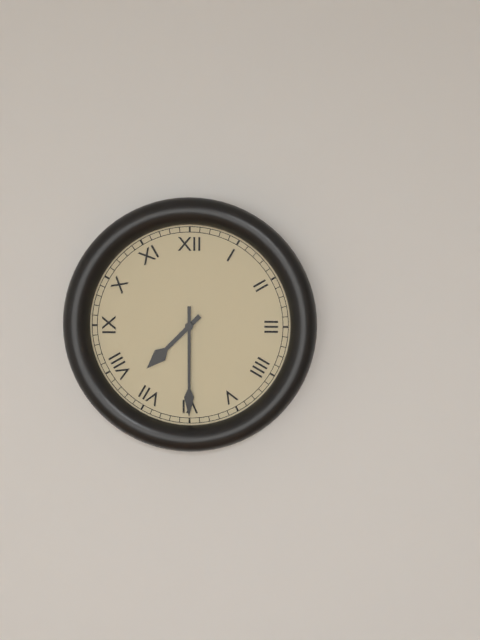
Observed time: 7:30
